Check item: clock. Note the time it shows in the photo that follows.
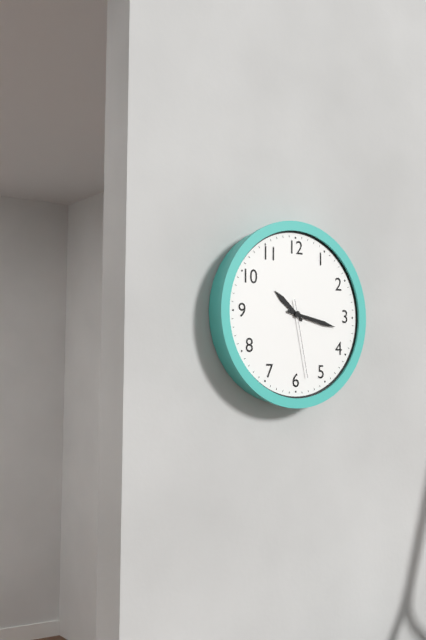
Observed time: 10:17:28
